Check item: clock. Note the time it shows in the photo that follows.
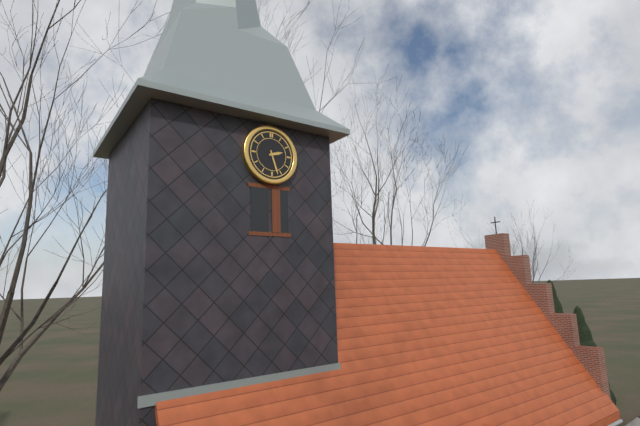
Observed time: 2:27
